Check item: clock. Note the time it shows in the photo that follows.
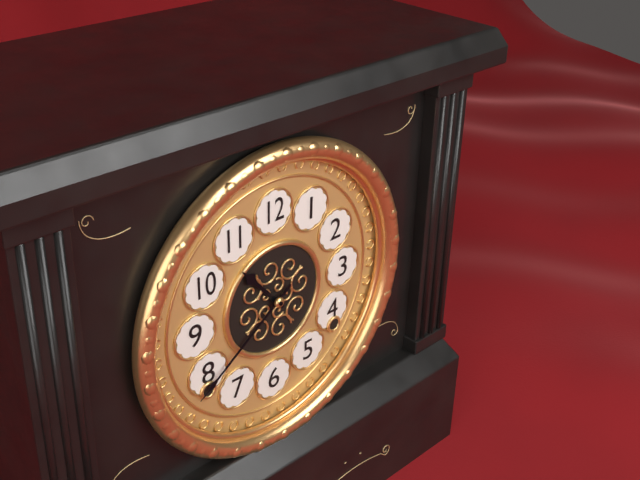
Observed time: 10:39
